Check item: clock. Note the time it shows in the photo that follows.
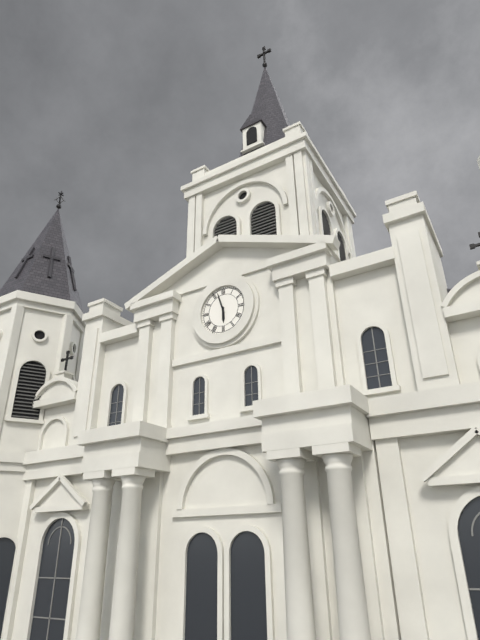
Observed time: 5:57
